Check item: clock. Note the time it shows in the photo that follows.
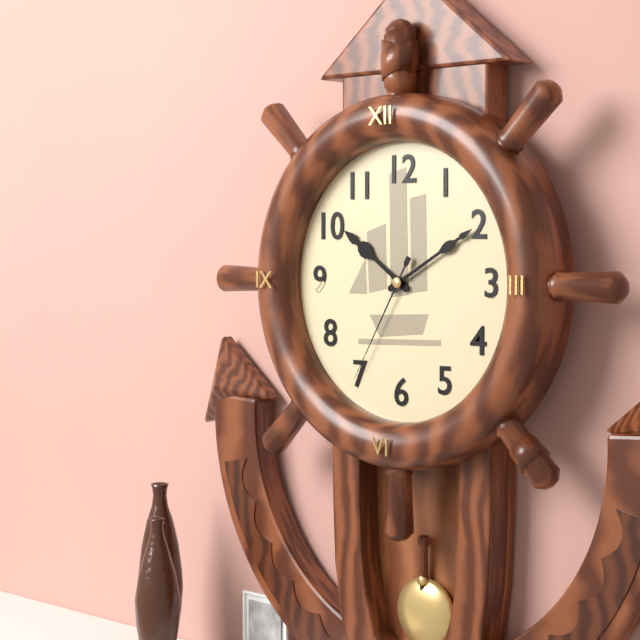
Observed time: 10:10:35
